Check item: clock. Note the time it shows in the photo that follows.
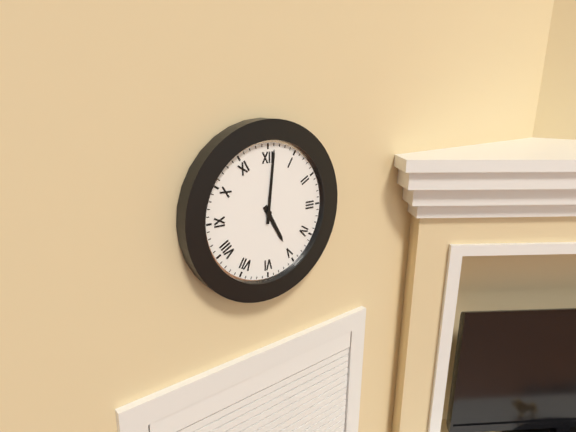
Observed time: 5:01
